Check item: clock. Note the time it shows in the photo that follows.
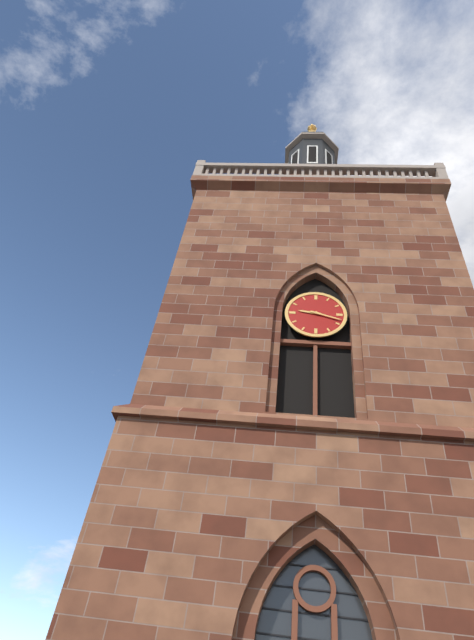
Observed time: 9:18
